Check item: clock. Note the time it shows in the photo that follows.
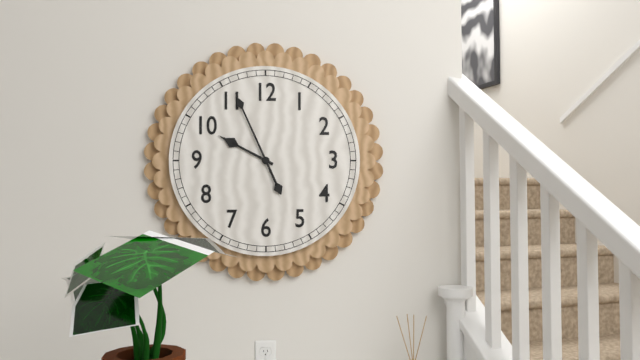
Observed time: 9:56
